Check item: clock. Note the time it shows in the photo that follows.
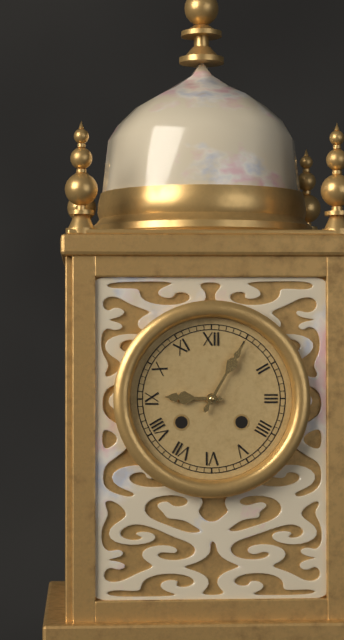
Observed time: 9:05
